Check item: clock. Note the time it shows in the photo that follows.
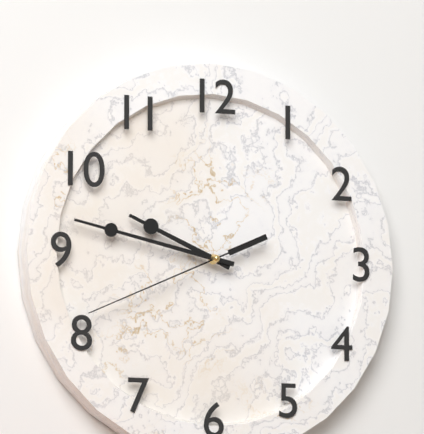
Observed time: 9:47:41
